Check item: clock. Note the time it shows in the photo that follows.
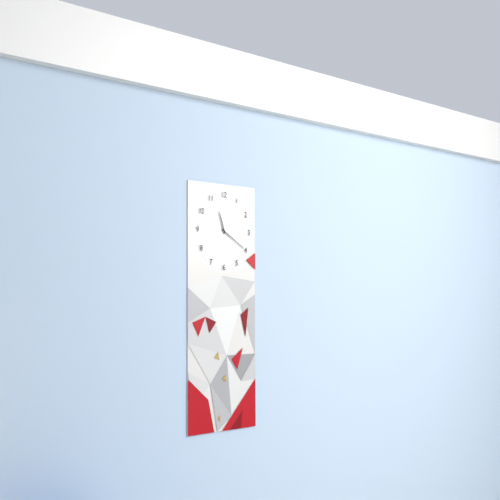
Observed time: 11:20
